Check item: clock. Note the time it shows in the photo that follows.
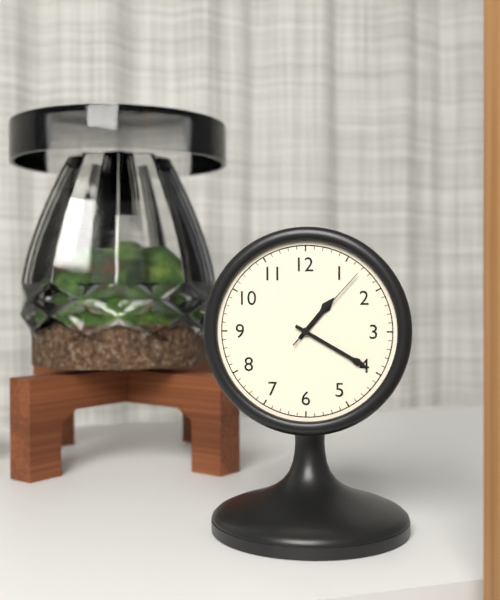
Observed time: 1:20:07
